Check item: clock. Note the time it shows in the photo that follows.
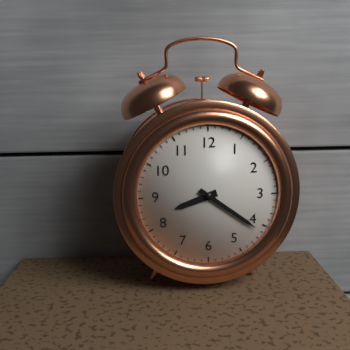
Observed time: 8:21
